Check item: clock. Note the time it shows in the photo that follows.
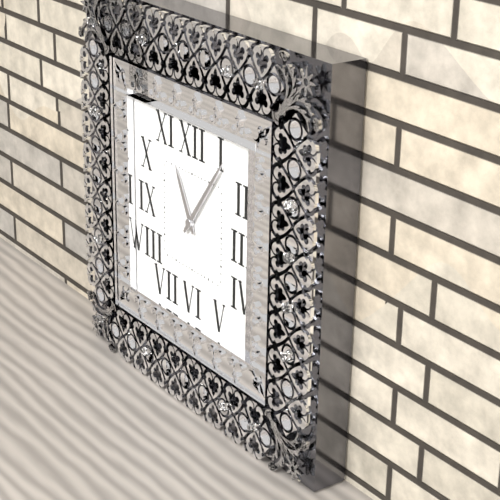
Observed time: 11:06
